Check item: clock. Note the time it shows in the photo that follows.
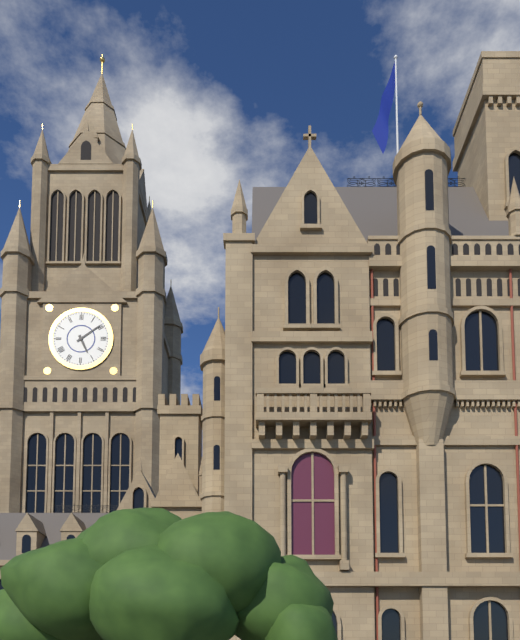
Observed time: 5:09
